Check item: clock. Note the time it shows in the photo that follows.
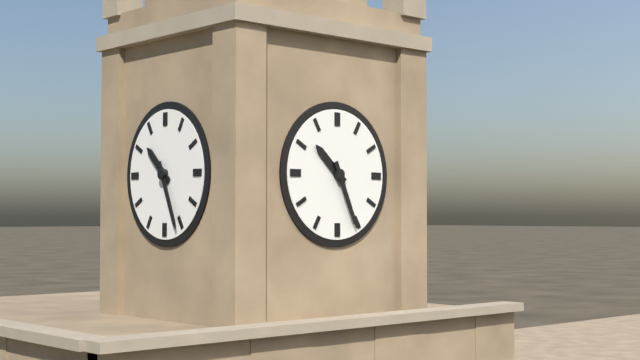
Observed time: 10:26
